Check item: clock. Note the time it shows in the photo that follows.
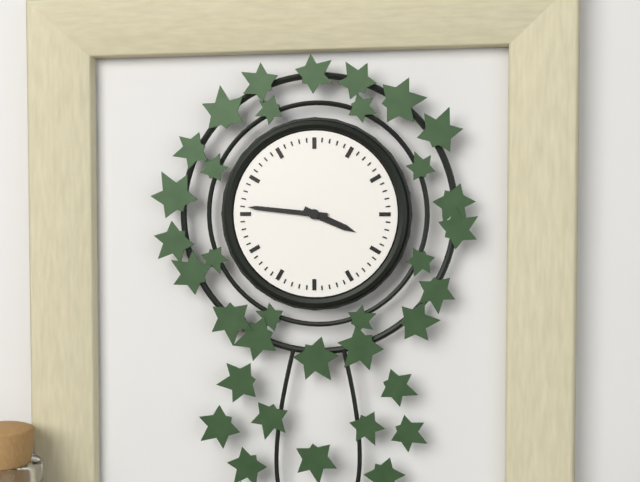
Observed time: 3:46
